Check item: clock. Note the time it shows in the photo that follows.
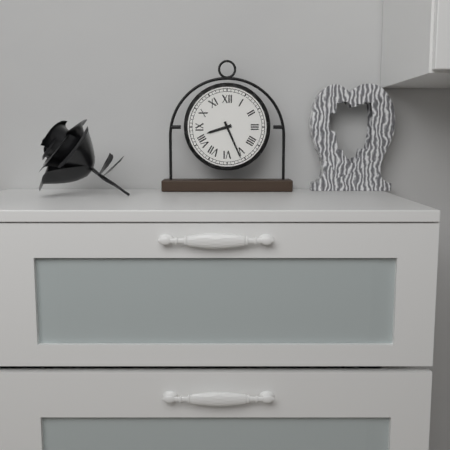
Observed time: 8:26
